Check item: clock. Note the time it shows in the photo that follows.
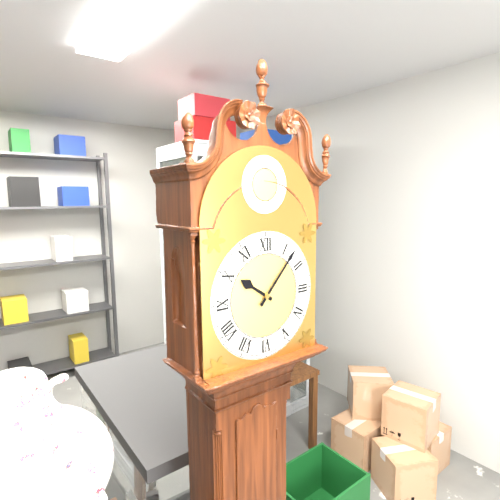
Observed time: 10:07
